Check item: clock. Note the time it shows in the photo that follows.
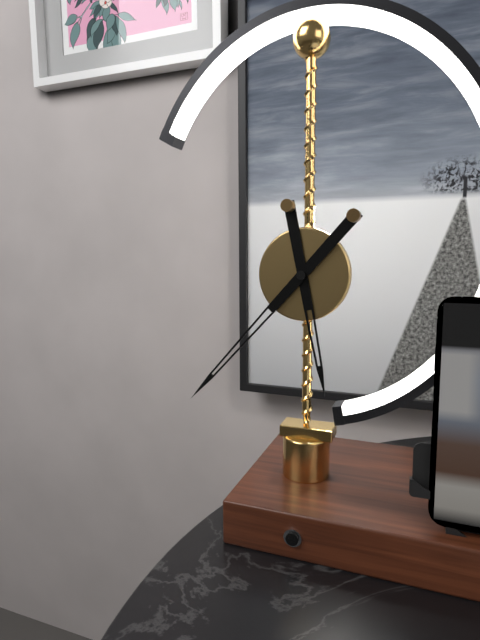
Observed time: 5:37
